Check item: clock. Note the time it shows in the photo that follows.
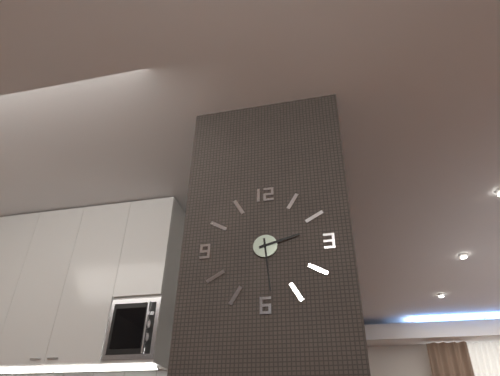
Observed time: 2:29
